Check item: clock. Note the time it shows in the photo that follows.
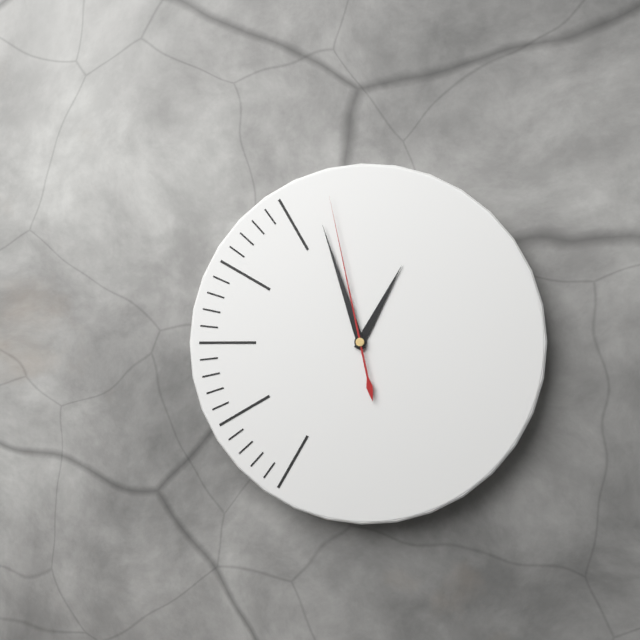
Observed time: 12:57:58
